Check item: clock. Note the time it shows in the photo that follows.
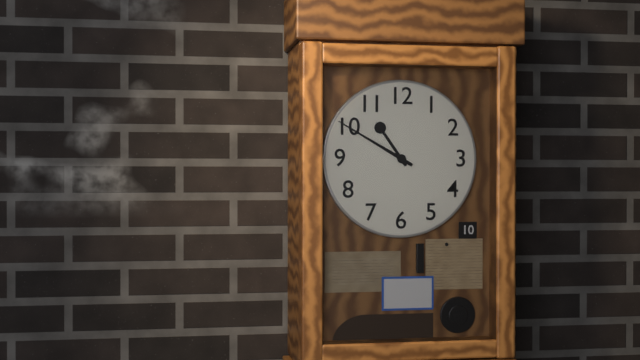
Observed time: 10:50
